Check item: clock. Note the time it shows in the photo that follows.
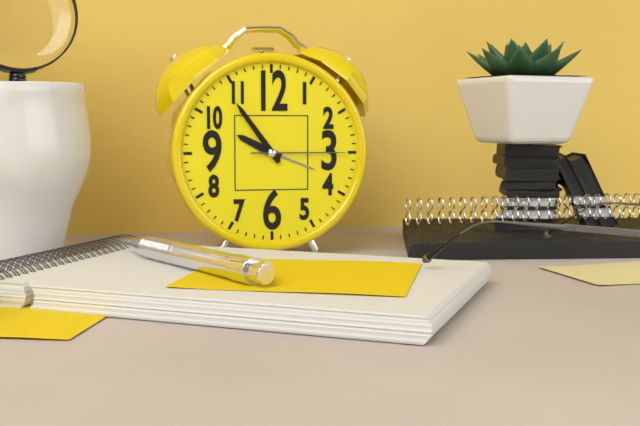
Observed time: 9:54:15
